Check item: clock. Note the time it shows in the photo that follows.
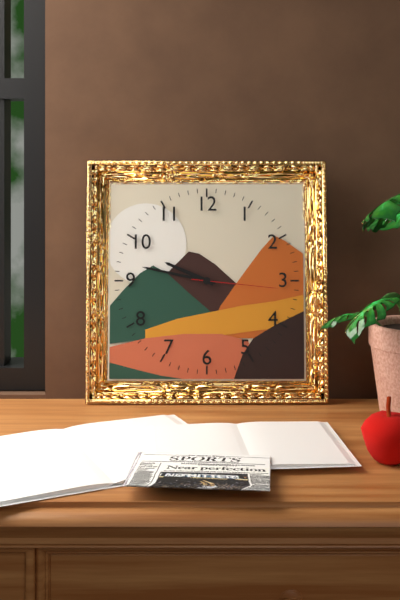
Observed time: 9:47:16
